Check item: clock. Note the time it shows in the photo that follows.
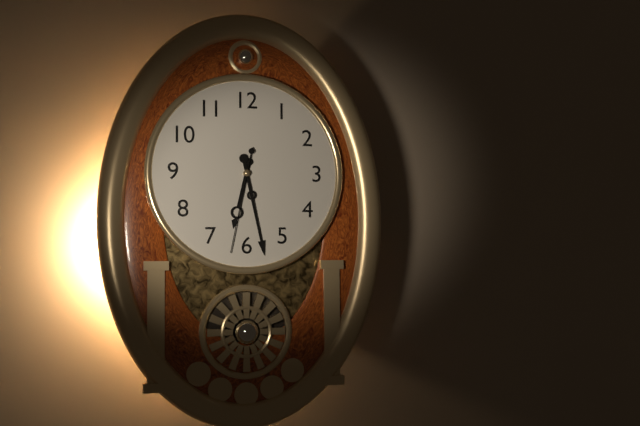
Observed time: 6:28:32
